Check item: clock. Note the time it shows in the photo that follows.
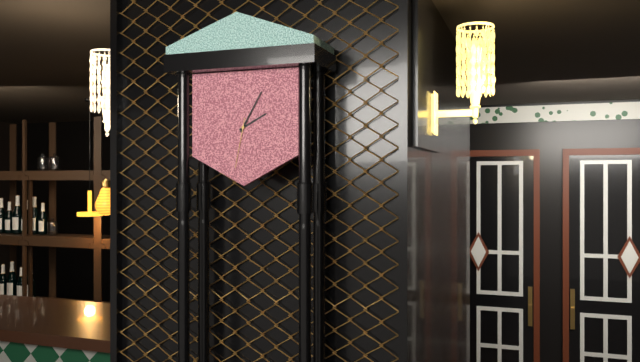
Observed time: 2:05:32
